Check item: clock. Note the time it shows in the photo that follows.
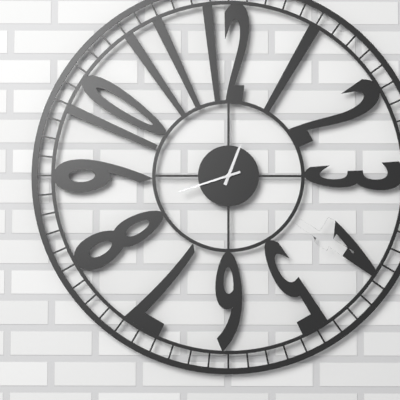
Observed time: 12:42
